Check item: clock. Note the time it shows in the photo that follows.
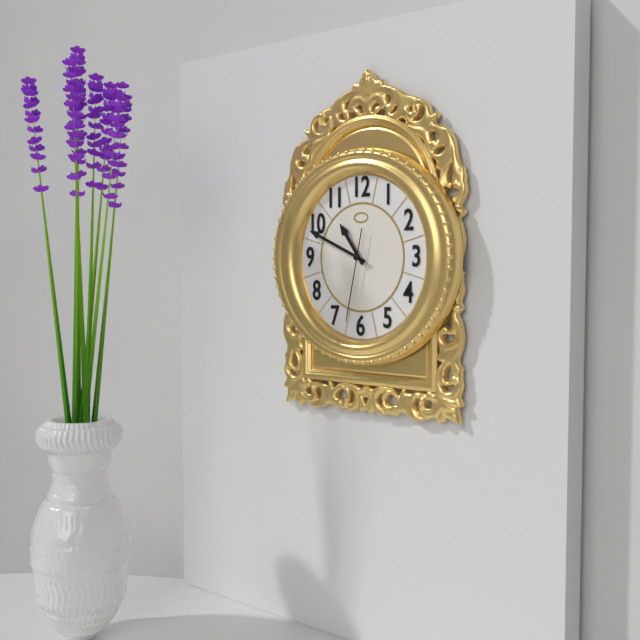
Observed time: 10:49:32
